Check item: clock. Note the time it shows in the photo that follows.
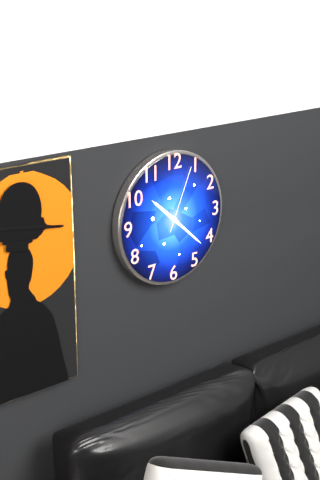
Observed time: 10:22:04
